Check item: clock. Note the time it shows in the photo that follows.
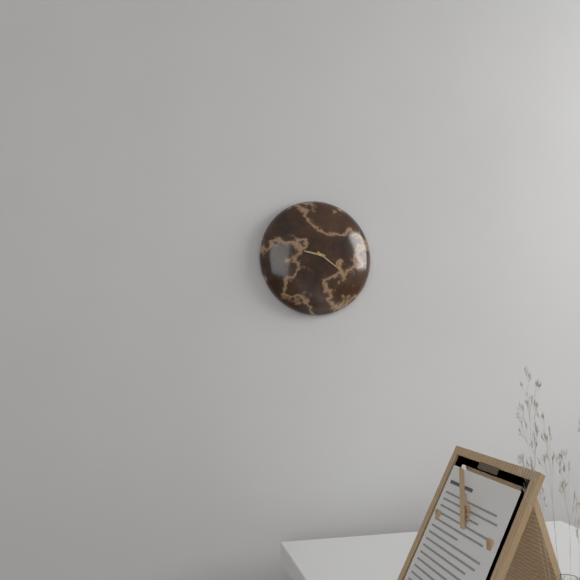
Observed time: 9:21
